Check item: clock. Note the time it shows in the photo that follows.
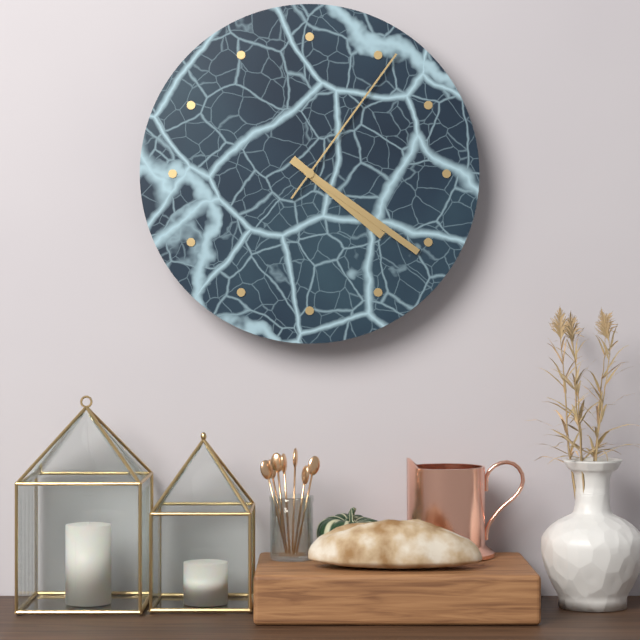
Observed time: 4:21:06
